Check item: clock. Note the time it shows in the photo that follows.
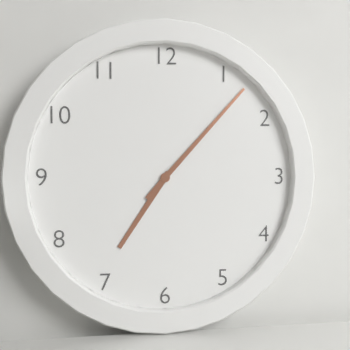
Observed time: 7:07
